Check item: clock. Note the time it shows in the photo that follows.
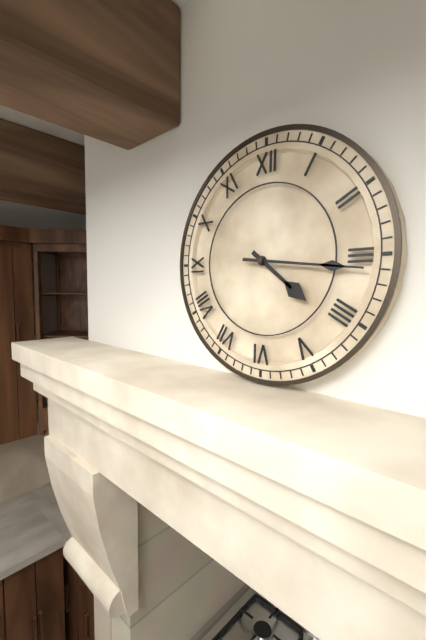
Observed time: 4:16
